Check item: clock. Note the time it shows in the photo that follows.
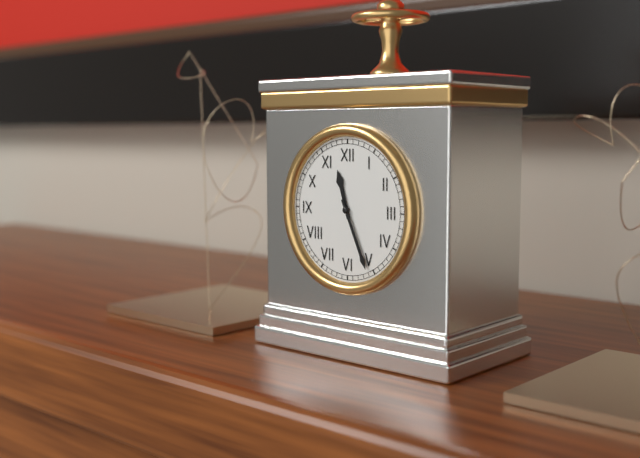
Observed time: 11:26
